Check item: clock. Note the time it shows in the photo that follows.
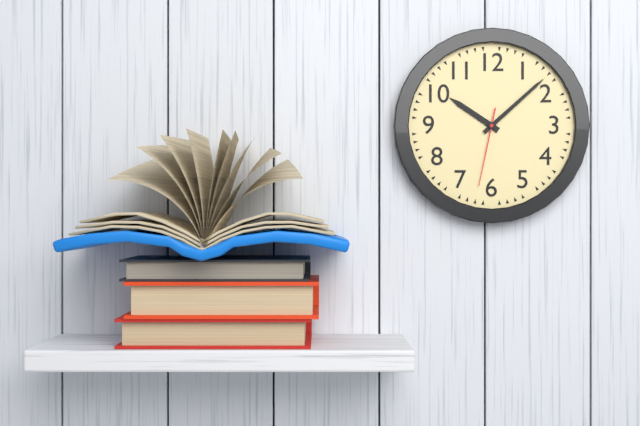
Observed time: 10:08:32
